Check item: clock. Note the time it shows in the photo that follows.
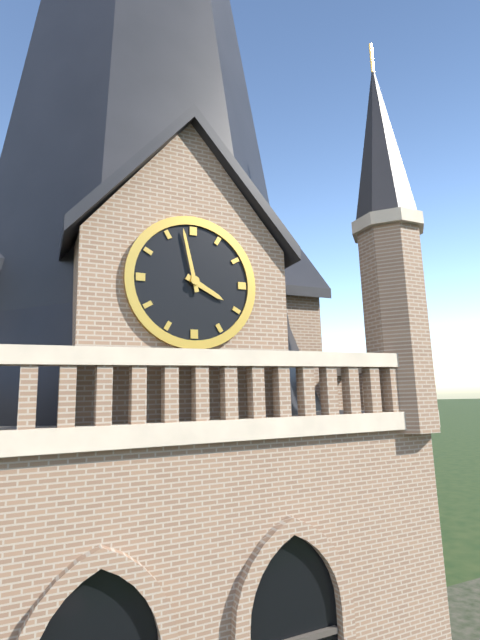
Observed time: 3:58
